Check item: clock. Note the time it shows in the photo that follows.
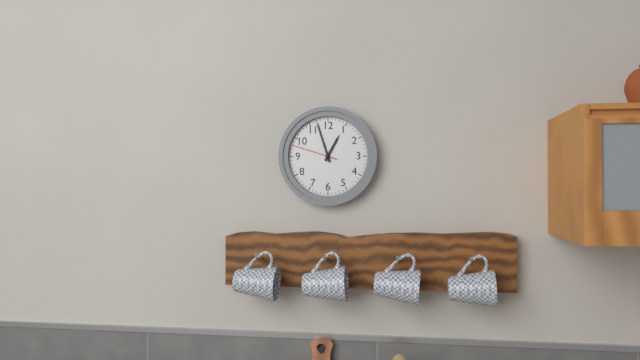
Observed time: 12:57
